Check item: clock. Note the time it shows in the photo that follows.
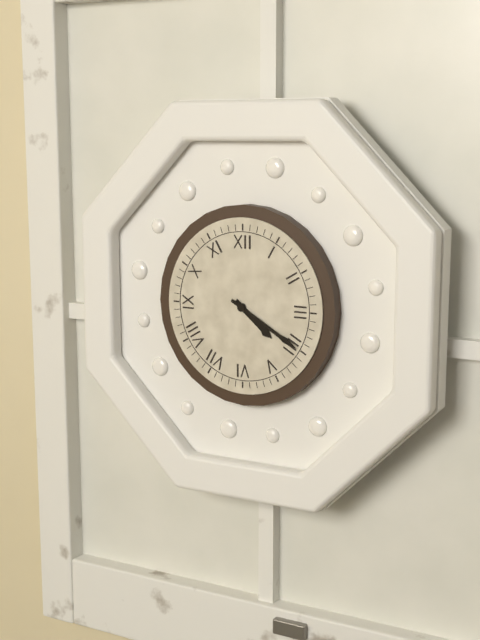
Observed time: 4:20
